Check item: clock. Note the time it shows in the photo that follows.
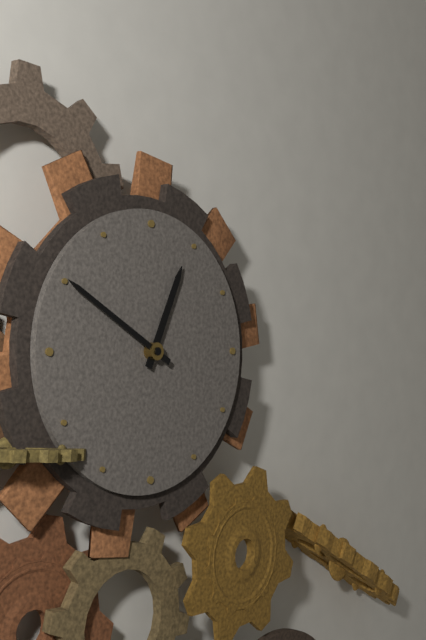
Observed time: 12:50
